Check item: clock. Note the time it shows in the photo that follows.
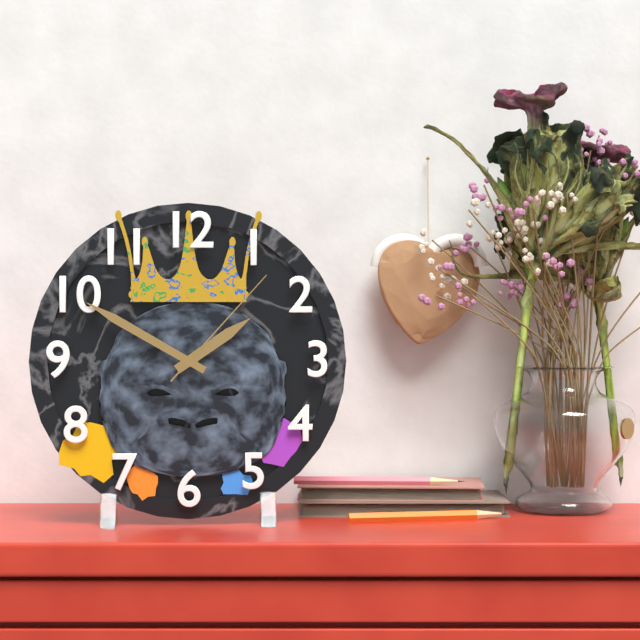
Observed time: 1:50:07
